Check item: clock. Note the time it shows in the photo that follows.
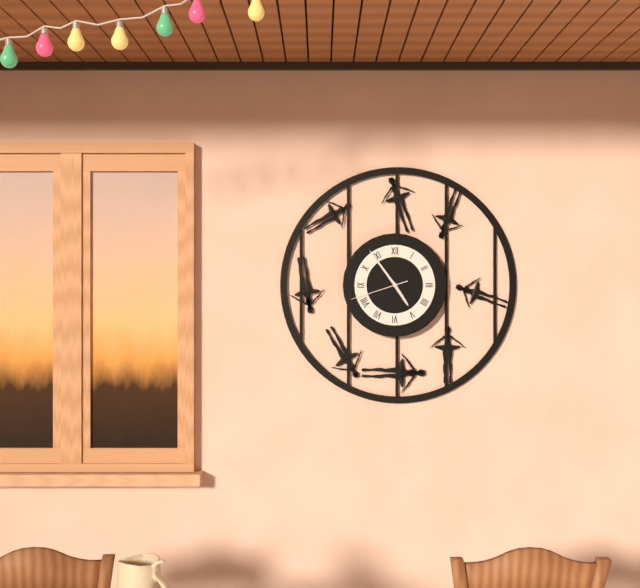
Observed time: 4:54:42
